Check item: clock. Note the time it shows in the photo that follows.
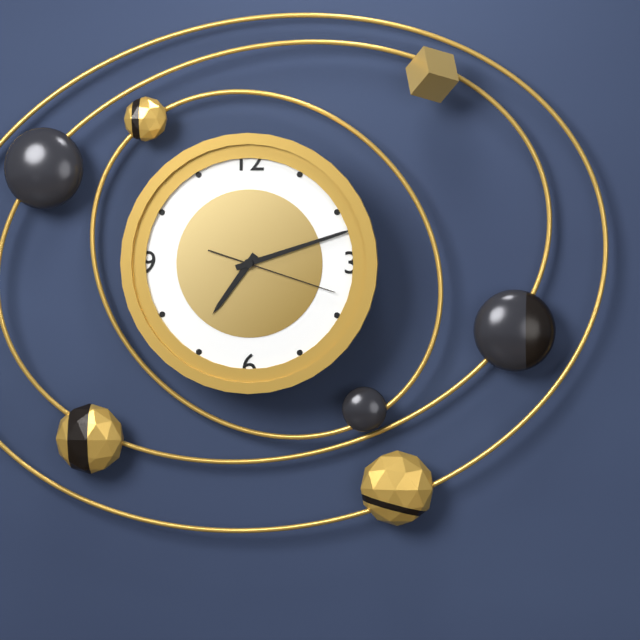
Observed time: 7:12:18
